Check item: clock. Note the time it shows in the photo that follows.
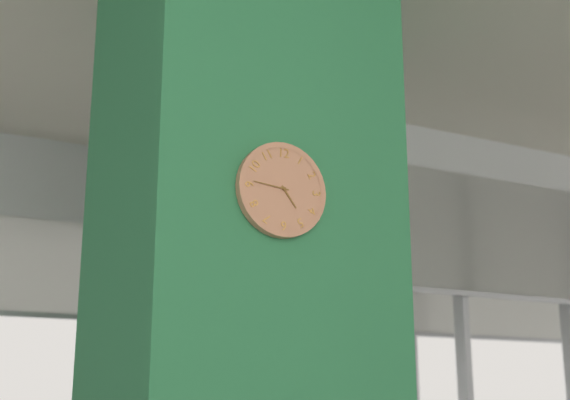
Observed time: 4:46
